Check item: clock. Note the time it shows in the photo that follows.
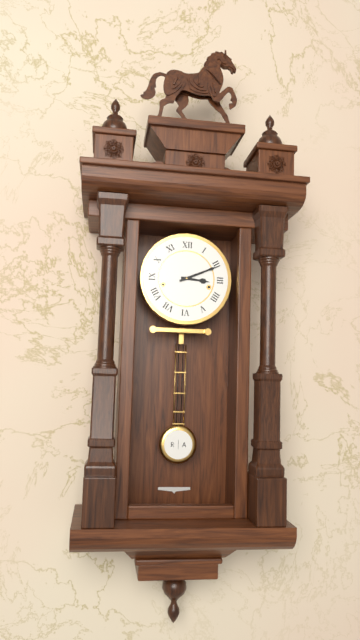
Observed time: 3:11
